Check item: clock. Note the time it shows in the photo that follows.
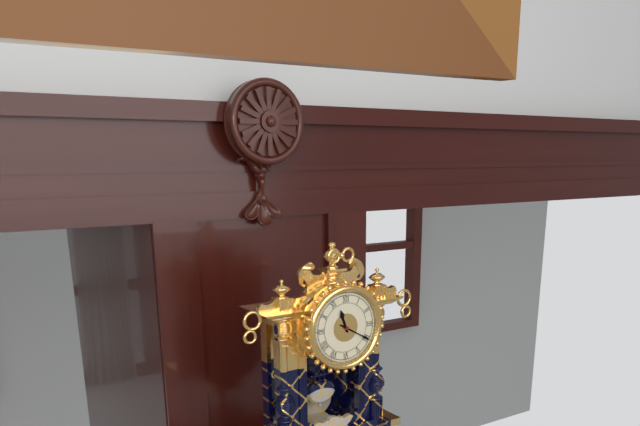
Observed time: 11:20
